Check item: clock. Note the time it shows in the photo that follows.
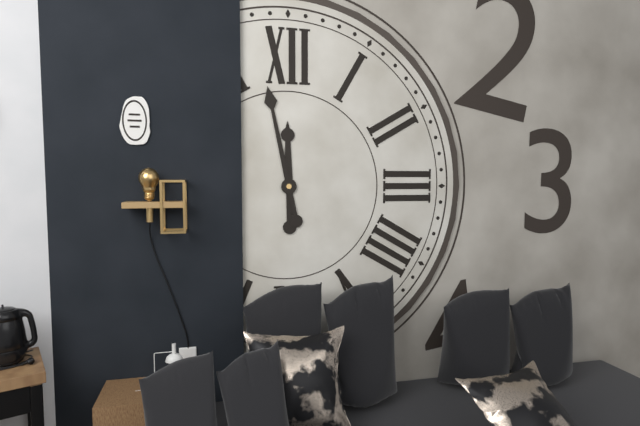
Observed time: 11:58
